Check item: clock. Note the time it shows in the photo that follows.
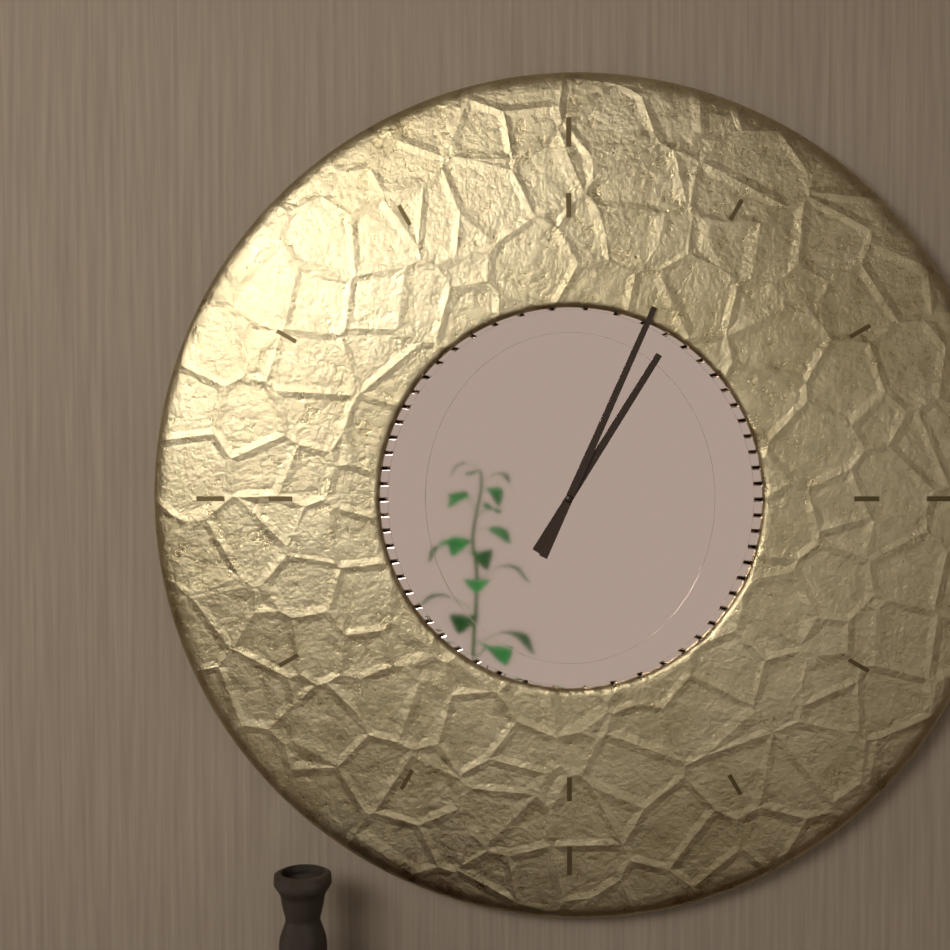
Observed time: 1:04
